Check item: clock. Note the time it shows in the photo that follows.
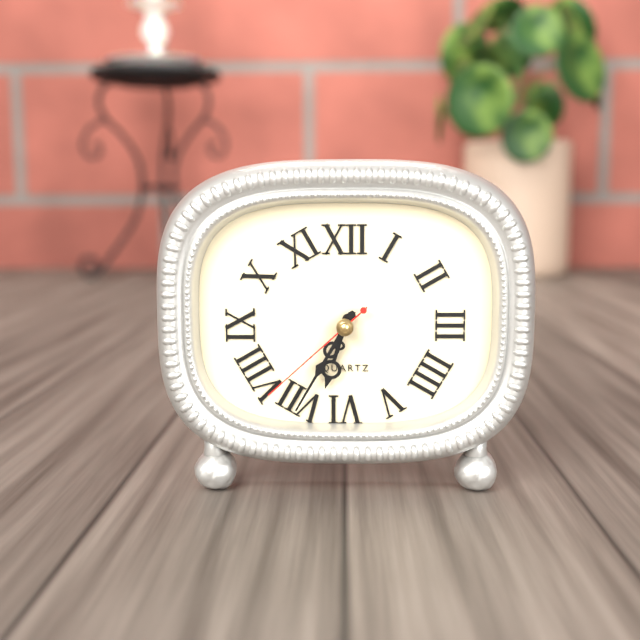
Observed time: 6:35:38
